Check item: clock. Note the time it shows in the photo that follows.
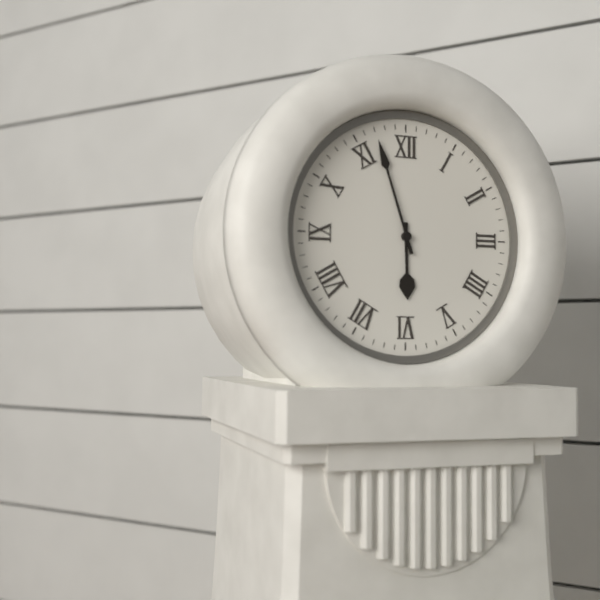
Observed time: 5:57
